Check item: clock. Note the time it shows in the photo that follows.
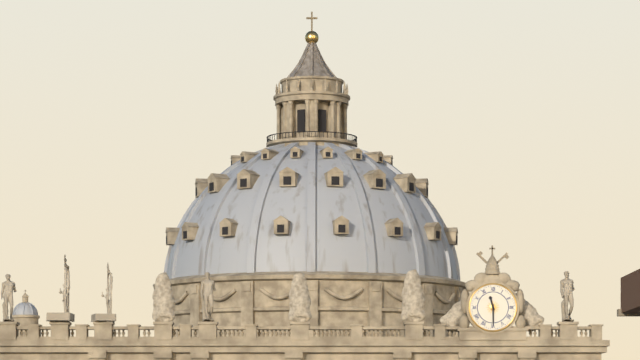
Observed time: 11:30
